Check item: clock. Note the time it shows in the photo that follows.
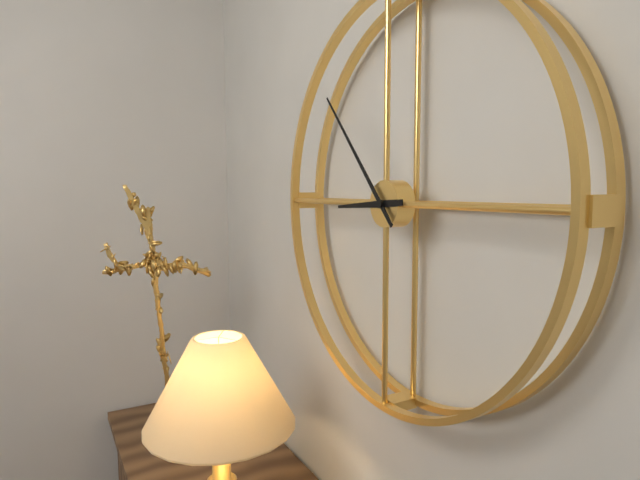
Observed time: 8:53
